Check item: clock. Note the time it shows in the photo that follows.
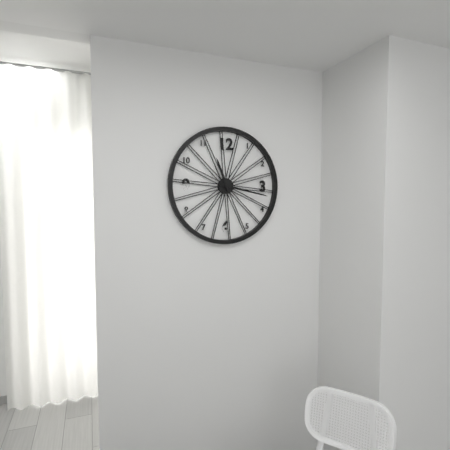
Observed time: 11:17
